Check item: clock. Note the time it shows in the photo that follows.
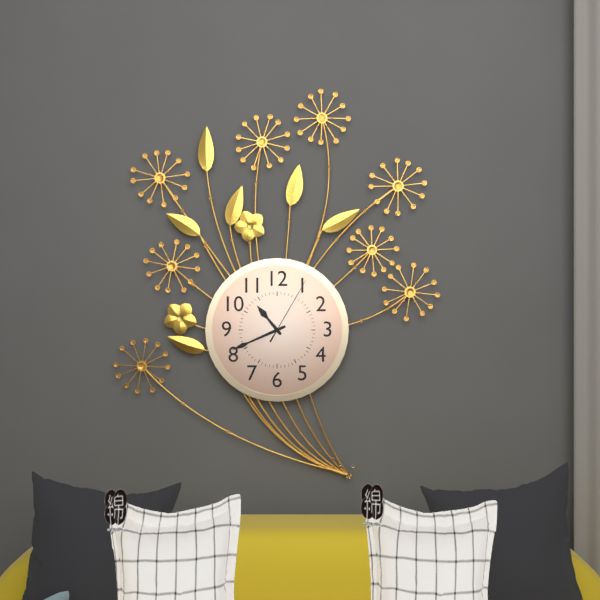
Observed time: 10:41:05
